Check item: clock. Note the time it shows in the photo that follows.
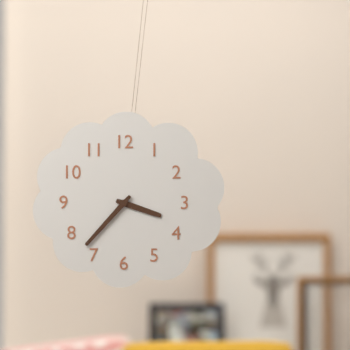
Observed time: 3:37
